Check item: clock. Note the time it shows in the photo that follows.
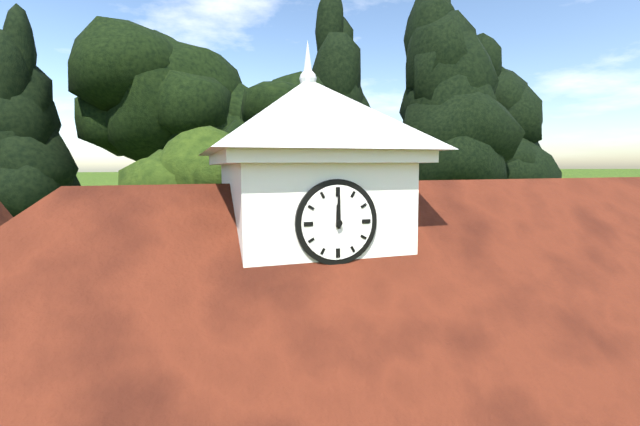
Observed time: 12:00
